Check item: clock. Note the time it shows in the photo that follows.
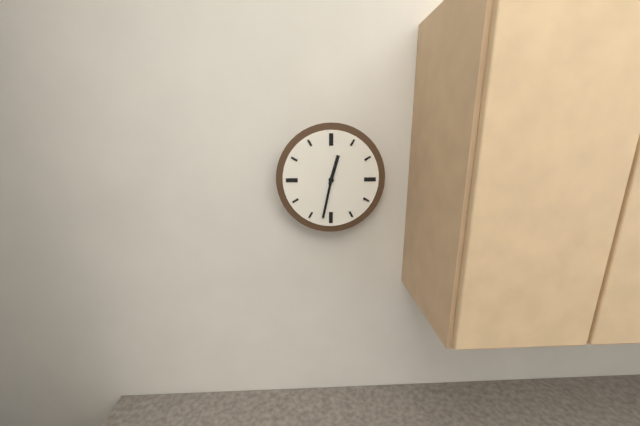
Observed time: 12:32
